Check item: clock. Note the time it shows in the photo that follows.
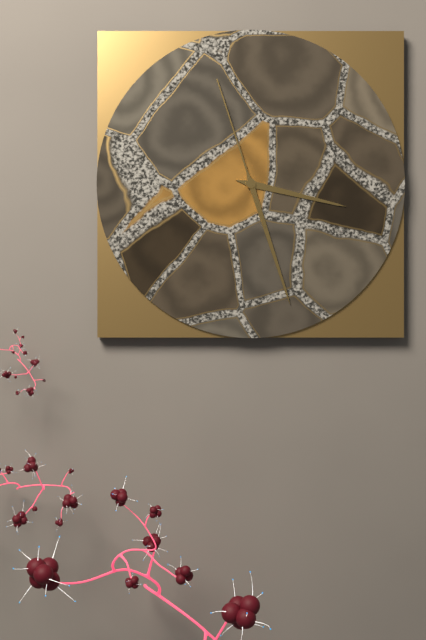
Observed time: 3:27:57
